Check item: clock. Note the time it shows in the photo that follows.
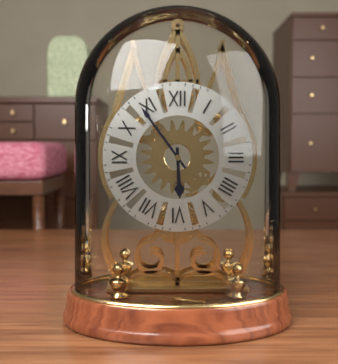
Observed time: 5:54
